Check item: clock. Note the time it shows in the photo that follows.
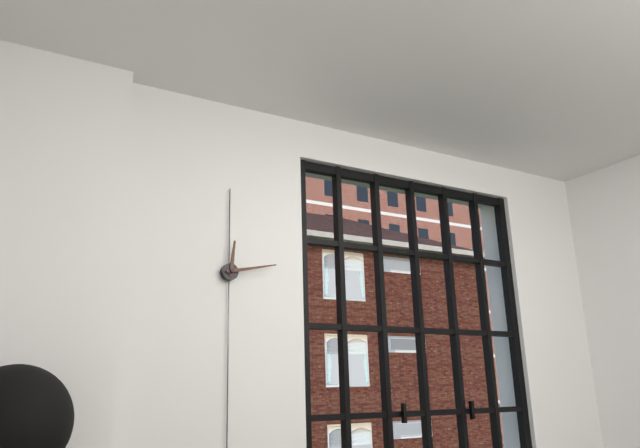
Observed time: 12:13
